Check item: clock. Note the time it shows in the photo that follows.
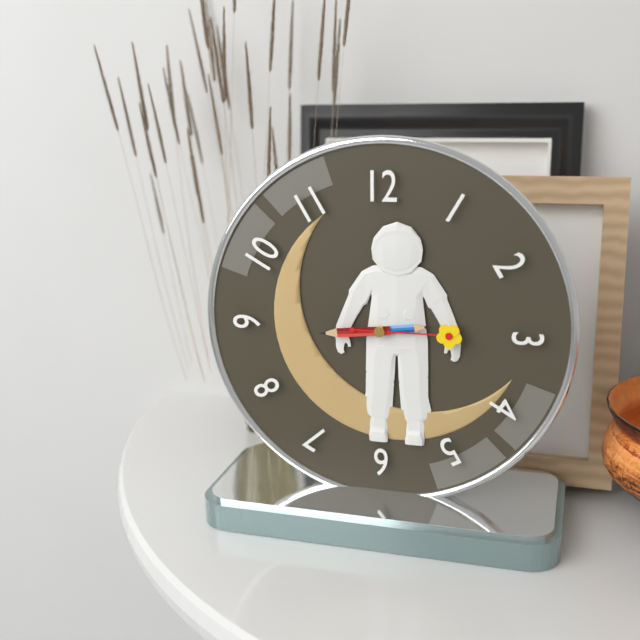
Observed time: 2:44:15
